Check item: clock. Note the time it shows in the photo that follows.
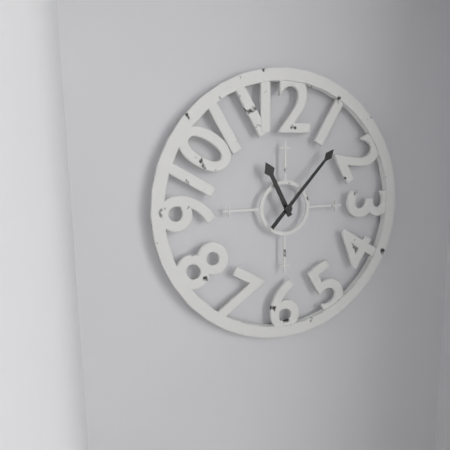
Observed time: 11:07
